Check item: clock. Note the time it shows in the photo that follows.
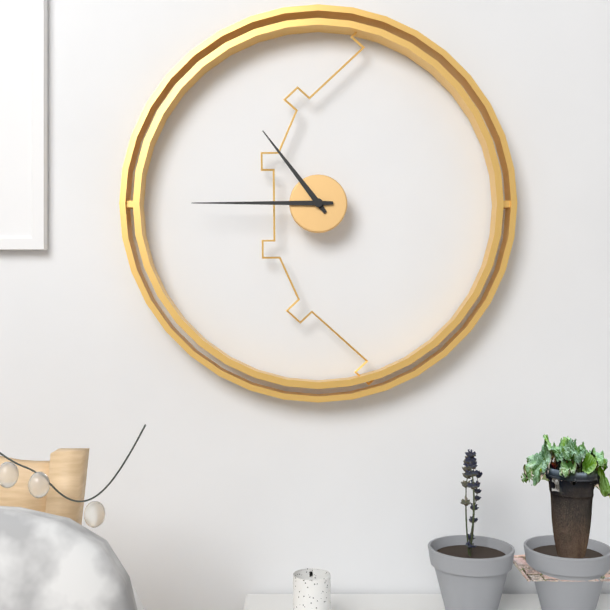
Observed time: 10:45
